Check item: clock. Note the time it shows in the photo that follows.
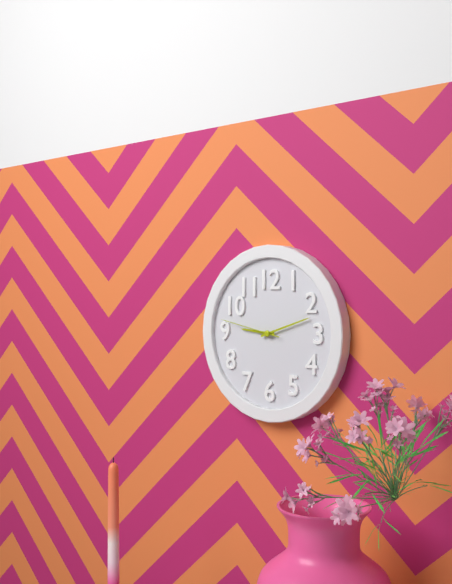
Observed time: 9:12:47
